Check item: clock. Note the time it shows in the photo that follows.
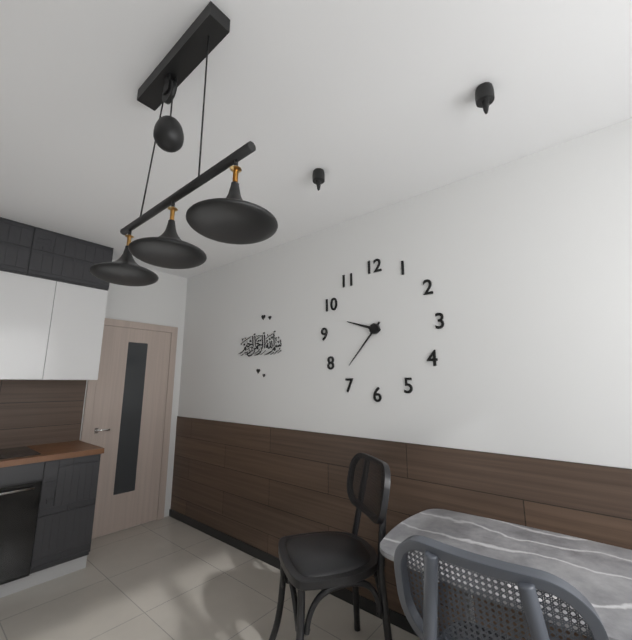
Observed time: 9:37
